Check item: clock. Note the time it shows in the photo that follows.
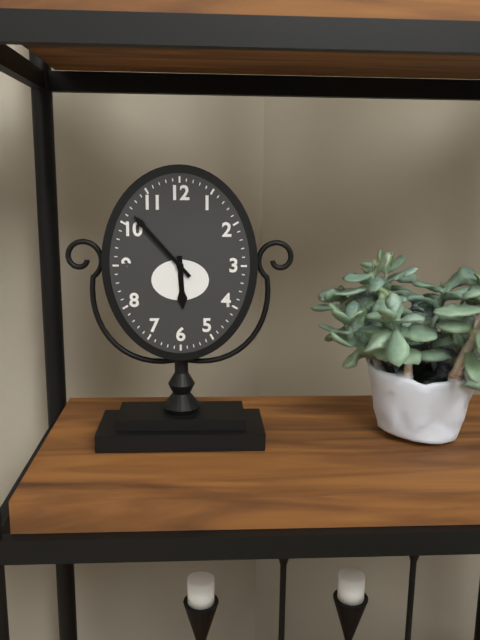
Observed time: 5:53
